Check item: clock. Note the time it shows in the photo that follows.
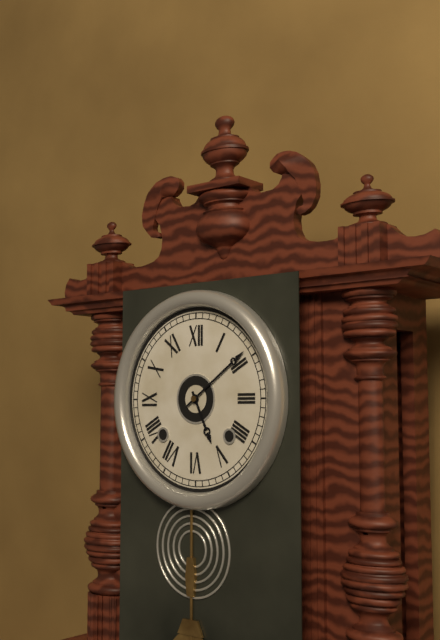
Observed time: 5:09
